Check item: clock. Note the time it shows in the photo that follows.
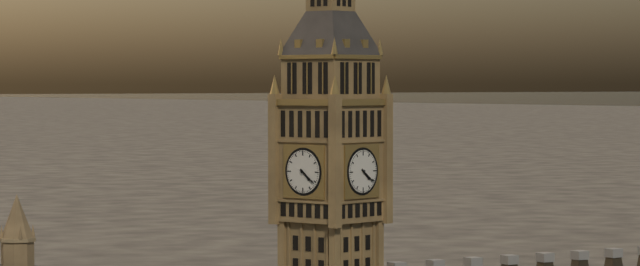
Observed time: 4:21
